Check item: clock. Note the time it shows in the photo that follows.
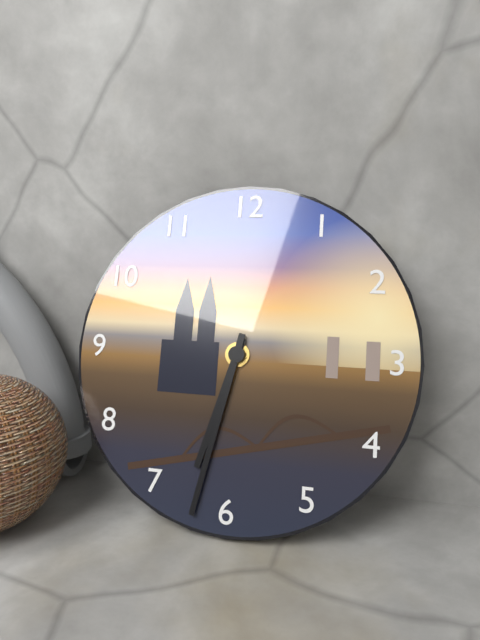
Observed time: 6:32
